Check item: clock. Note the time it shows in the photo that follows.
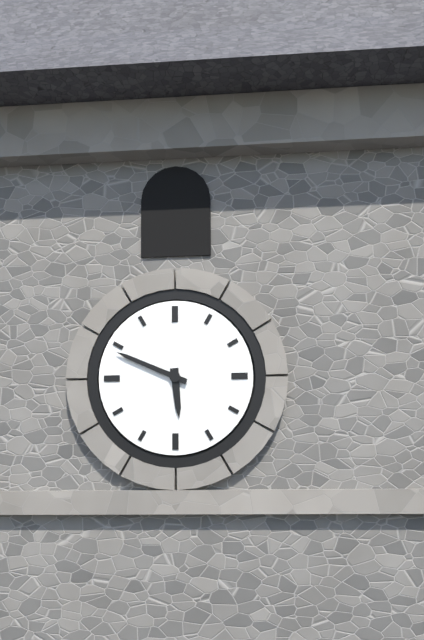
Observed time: 5:49
